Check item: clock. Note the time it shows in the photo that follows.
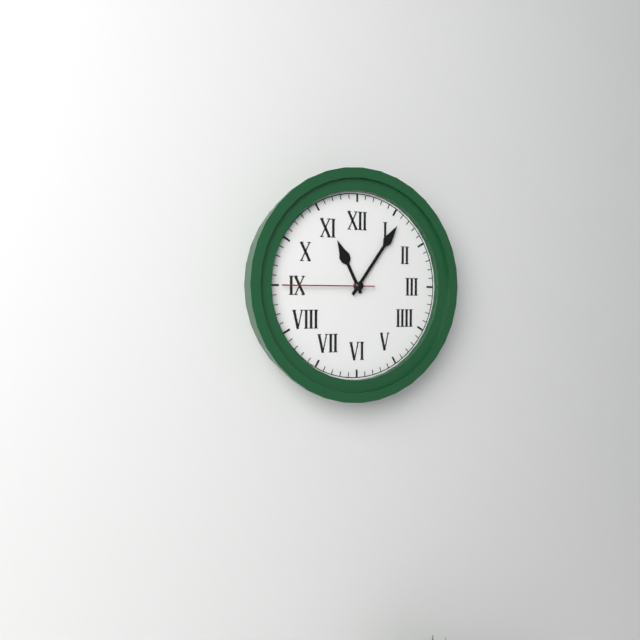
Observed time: 11:06:45
